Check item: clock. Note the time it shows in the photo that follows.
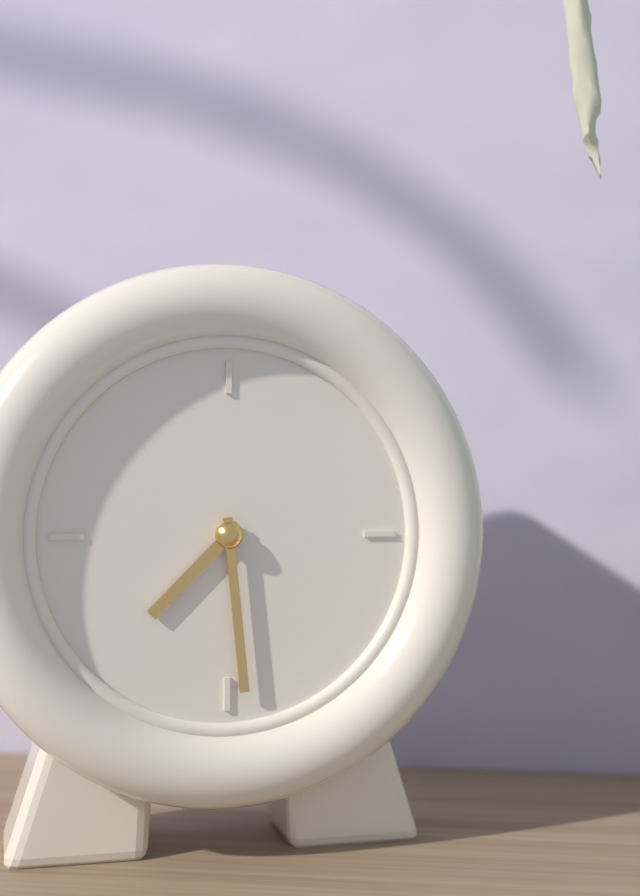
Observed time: 7:29
